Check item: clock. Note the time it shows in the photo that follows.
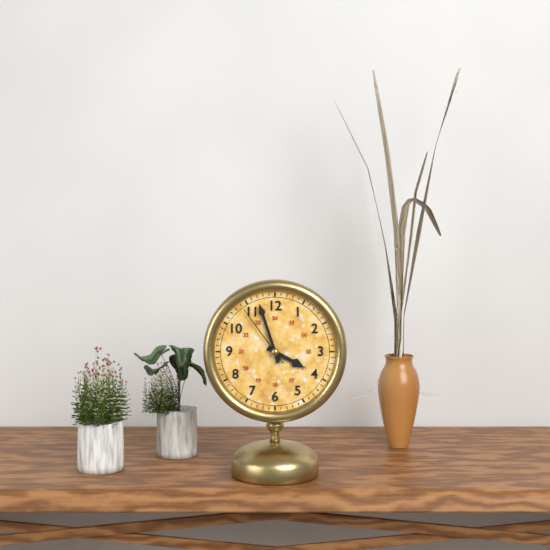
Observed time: 3:57:54
